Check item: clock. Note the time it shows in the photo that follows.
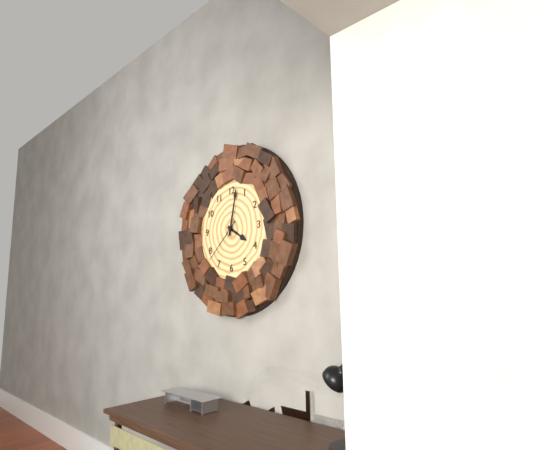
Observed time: 4:02
